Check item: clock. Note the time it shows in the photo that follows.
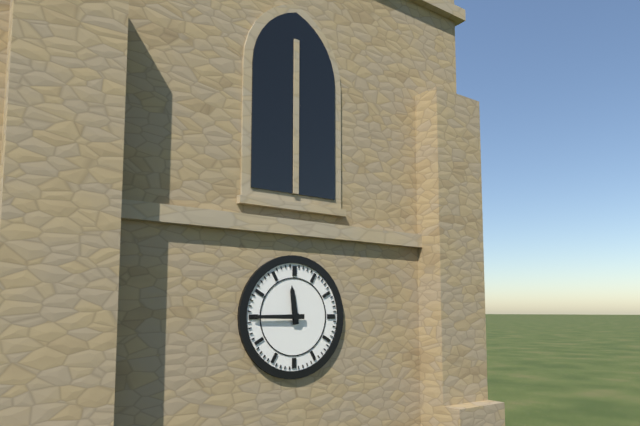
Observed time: 11:45
